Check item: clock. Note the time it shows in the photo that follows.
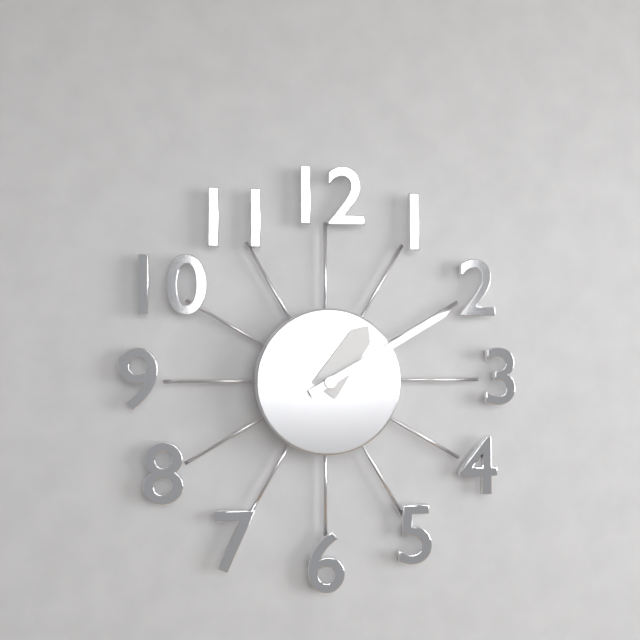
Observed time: 1:10
